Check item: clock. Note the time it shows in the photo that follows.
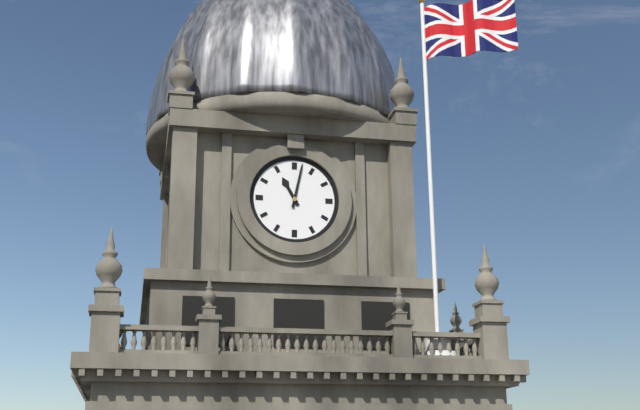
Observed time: 11:02
